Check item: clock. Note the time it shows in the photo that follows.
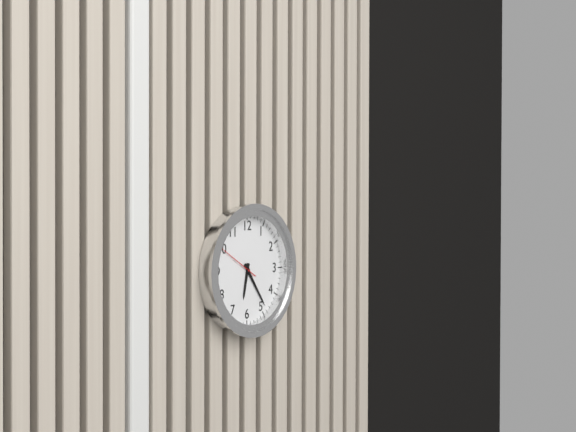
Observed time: 6:24
